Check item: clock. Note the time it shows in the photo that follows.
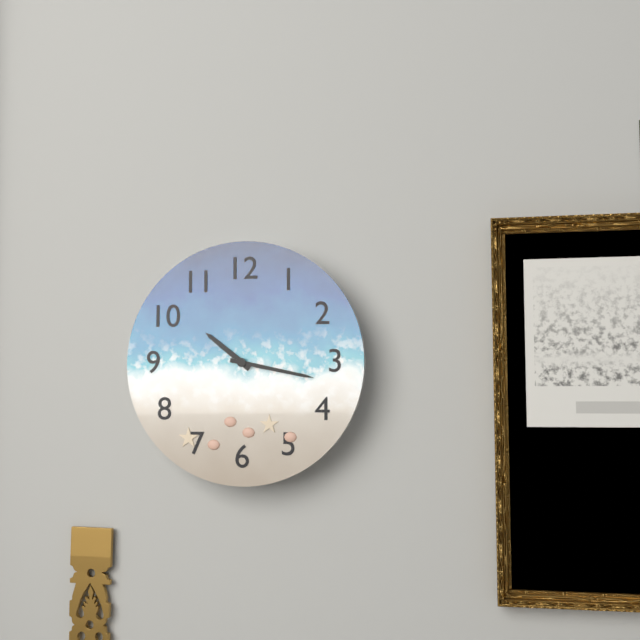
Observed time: 10:17
